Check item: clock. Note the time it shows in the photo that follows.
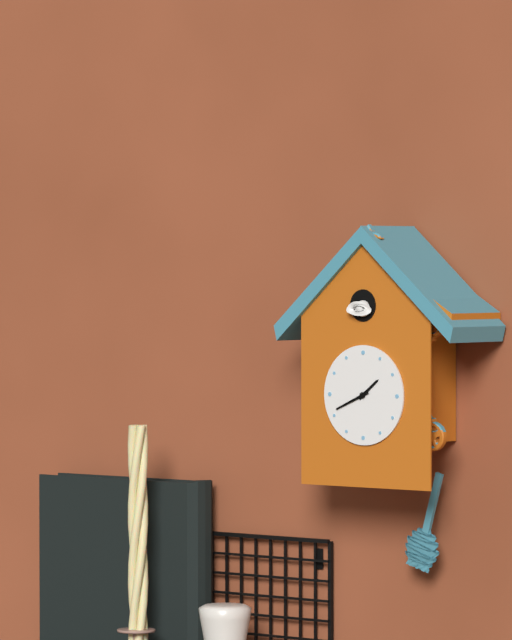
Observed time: 1:41
